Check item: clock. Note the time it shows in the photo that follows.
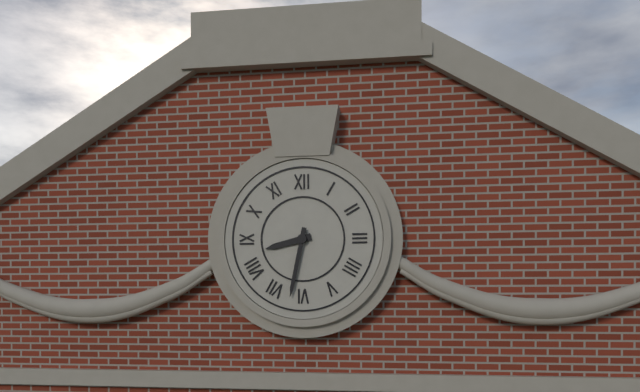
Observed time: 8:32
